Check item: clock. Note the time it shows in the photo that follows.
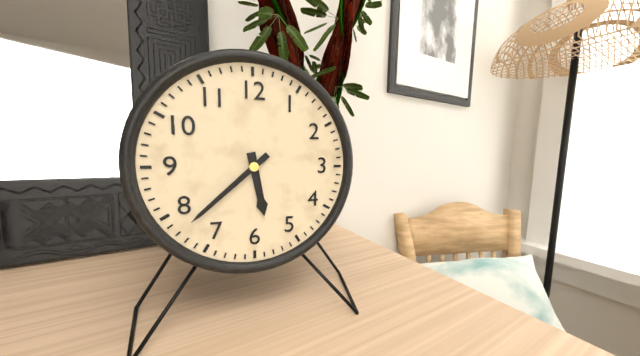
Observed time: 5:38
